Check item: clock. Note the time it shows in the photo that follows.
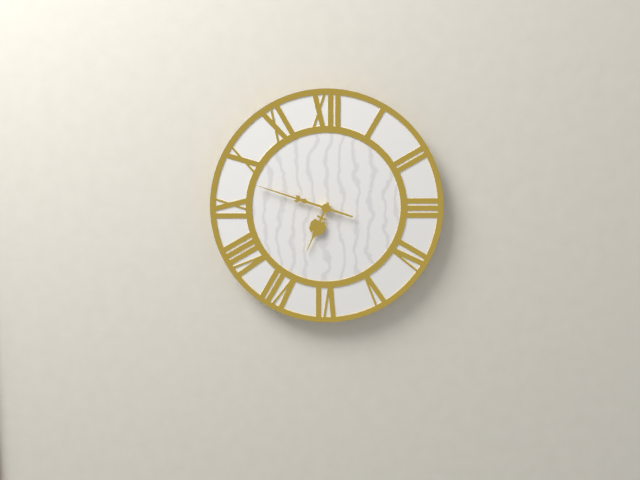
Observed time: 6:48
